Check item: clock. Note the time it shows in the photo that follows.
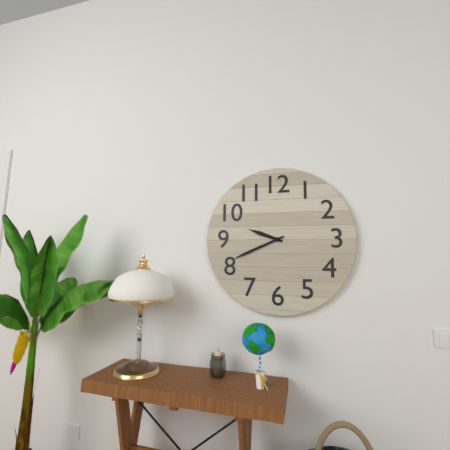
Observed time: 9:41
